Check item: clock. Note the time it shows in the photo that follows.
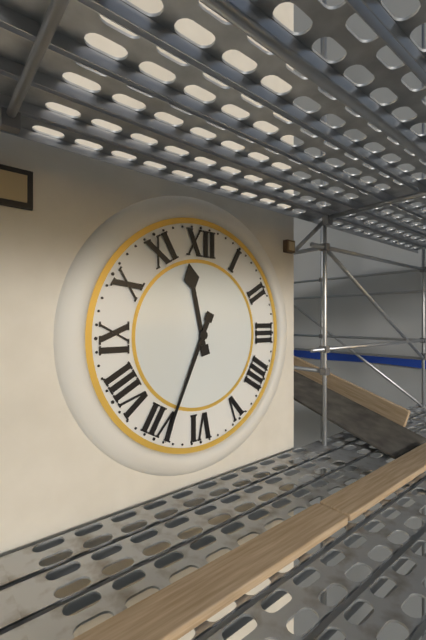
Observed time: 11:34
